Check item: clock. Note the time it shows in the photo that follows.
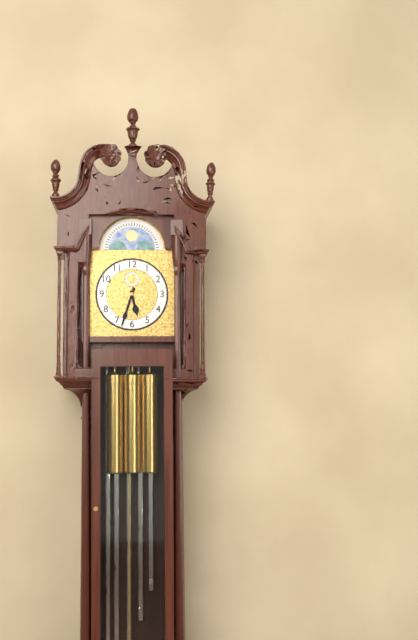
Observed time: 5:33
